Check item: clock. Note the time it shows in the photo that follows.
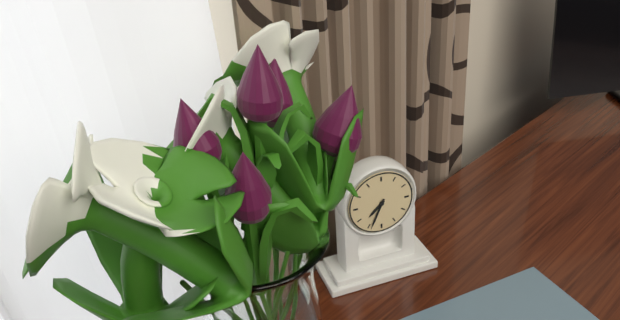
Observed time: 7:34
